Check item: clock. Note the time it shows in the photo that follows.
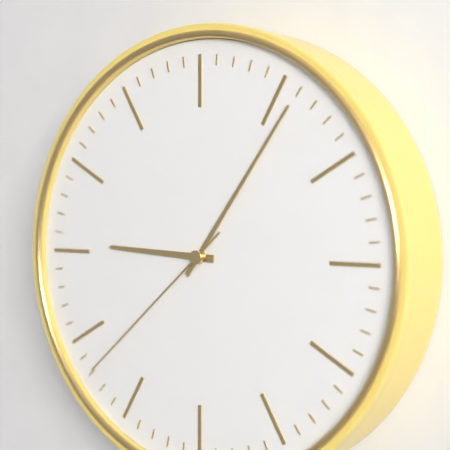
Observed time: 9:06:38
